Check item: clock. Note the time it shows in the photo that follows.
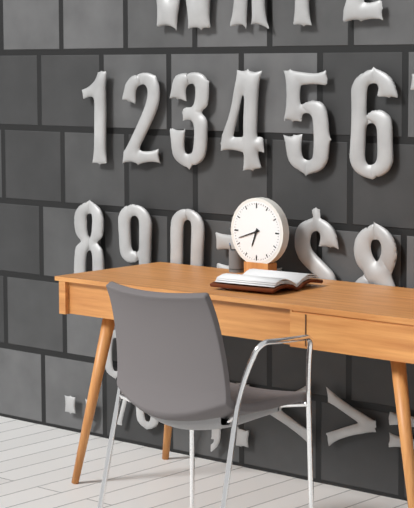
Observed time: 6:42
